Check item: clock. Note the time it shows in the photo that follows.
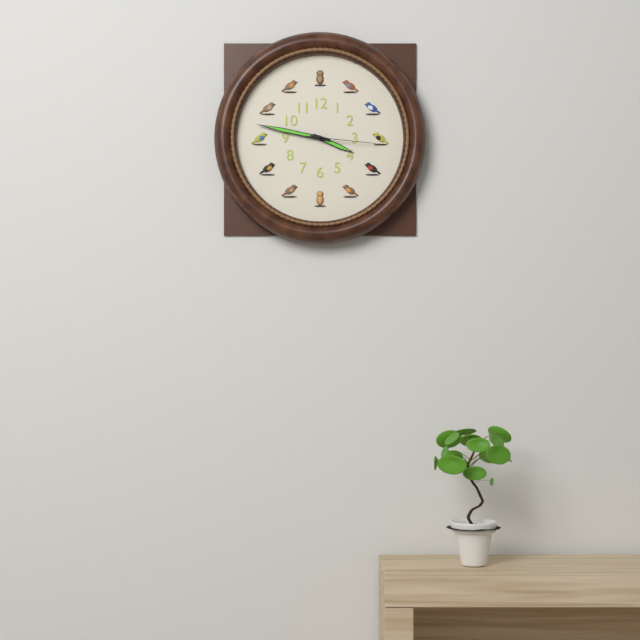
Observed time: 3:47:16
